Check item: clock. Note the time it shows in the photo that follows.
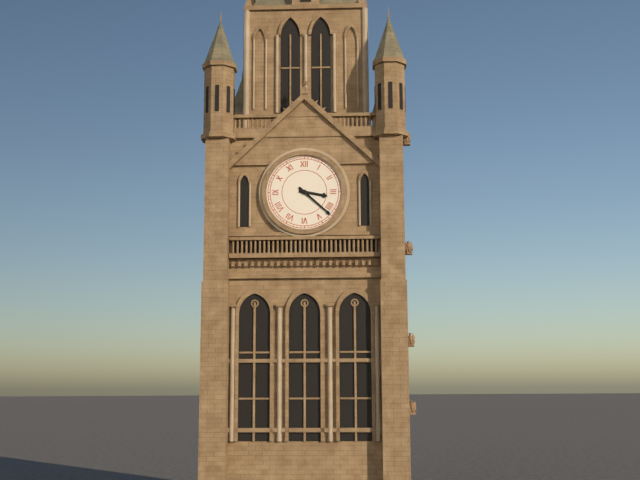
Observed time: 3:22
